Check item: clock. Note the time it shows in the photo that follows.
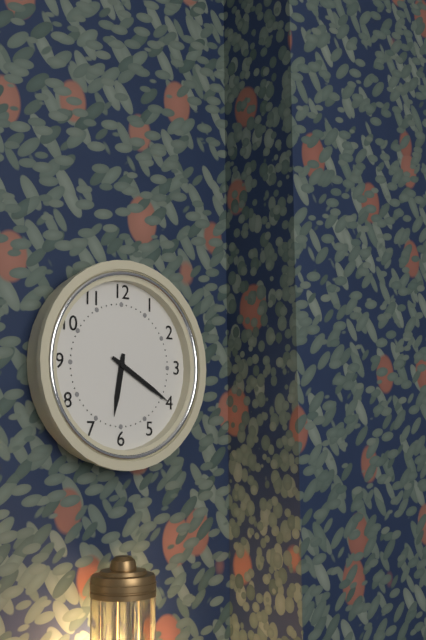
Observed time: 6:20
